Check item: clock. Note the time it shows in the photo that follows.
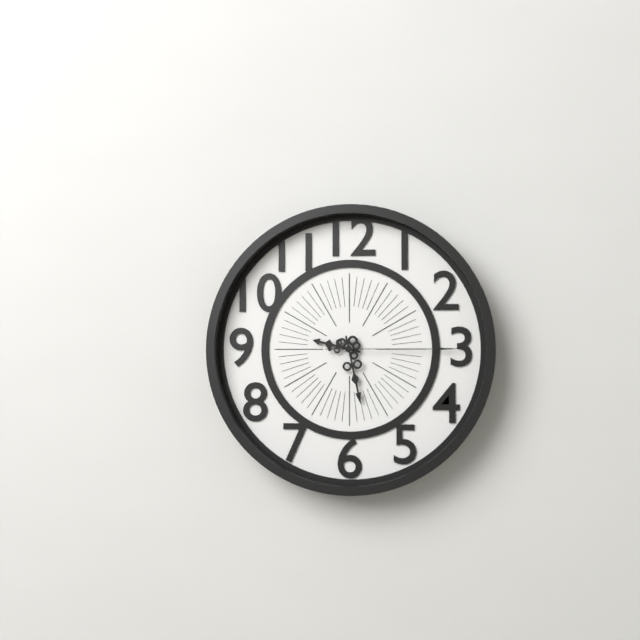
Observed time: 9:28:15
